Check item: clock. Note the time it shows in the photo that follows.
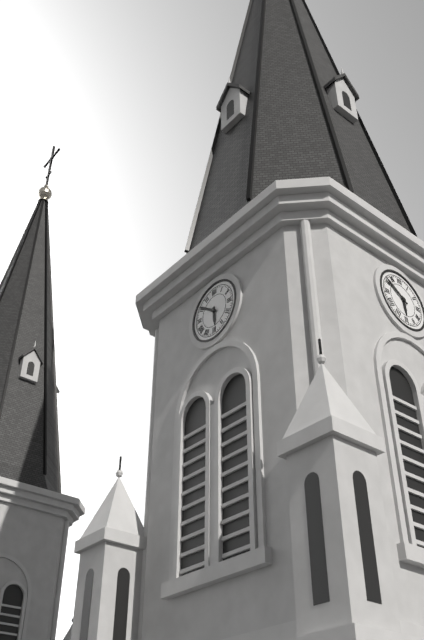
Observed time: 5:51
